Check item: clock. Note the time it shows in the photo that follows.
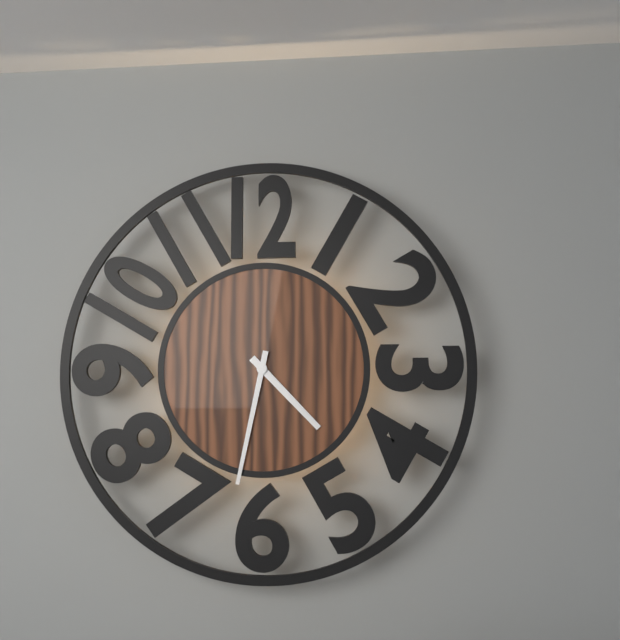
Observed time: 4:32
